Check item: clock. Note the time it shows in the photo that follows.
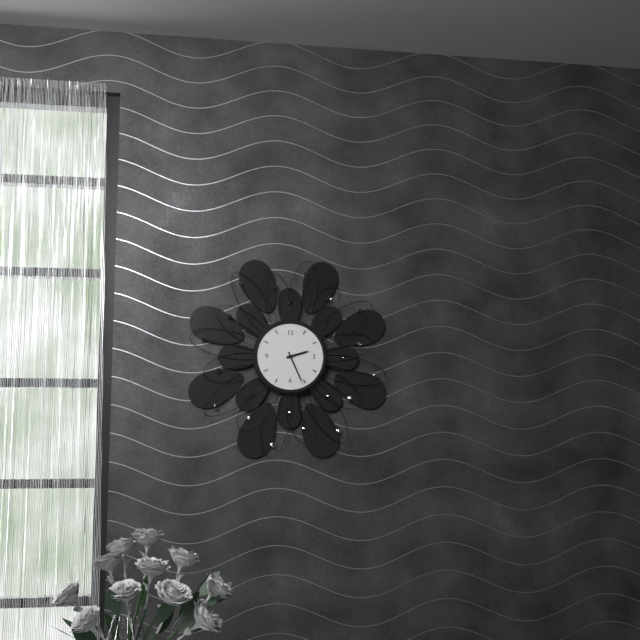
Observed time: 2:26
